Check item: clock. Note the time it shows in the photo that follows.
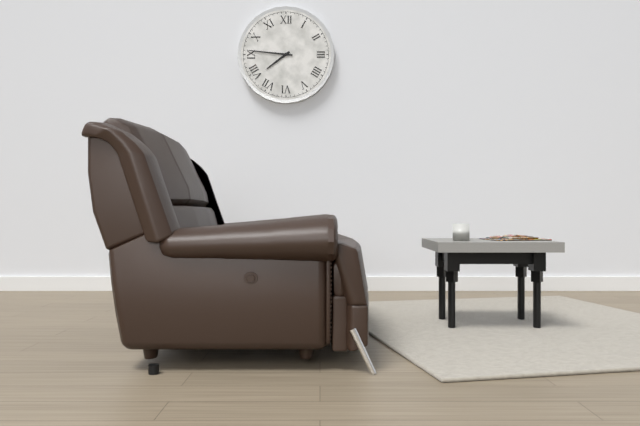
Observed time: 7:46
